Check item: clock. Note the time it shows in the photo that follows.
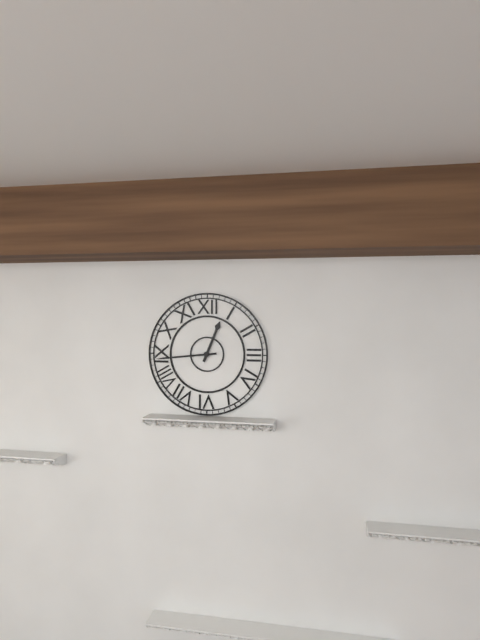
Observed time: 12:44
